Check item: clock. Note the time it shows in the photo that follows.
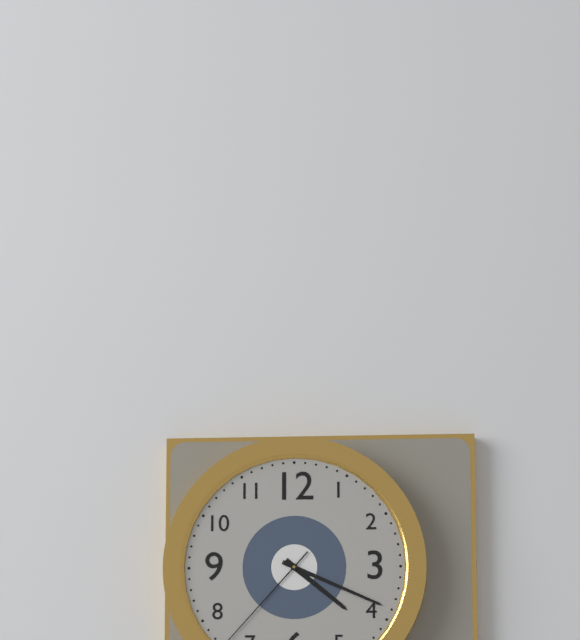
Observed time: 4:19
